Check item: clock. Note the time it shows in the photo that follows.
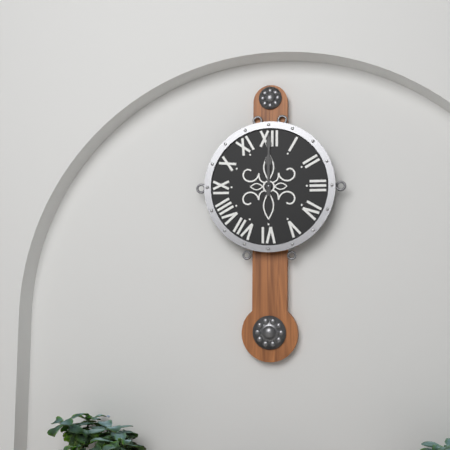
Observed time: 12:00
